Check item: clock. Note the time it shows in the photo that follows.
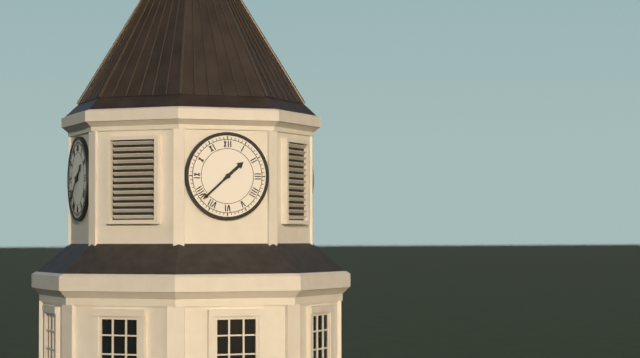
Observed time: 1:38
